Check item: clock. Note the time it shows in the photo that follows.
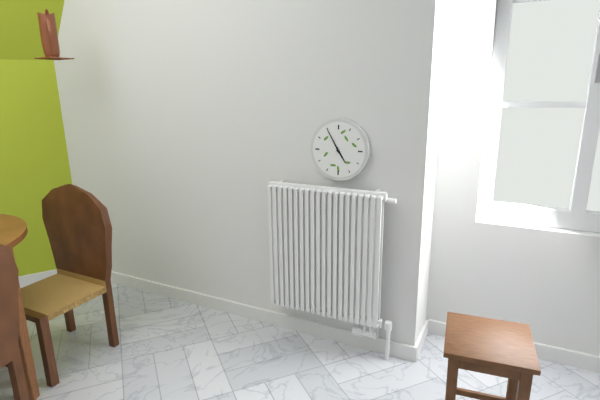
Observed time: 4:55
